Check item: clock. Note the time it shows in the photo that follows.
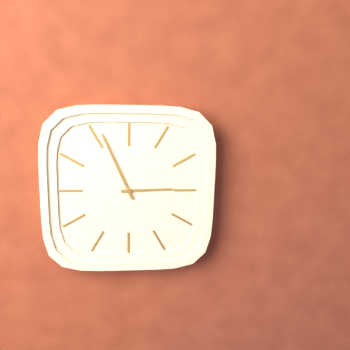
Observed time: 2:56
